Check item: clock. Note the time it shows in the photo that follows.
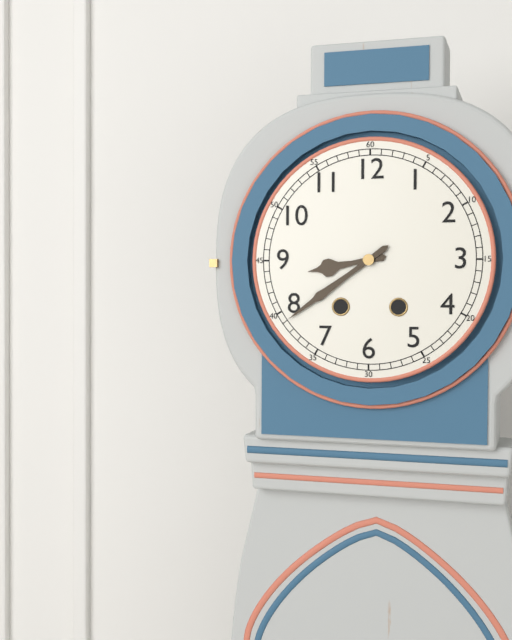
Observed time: 8:39
